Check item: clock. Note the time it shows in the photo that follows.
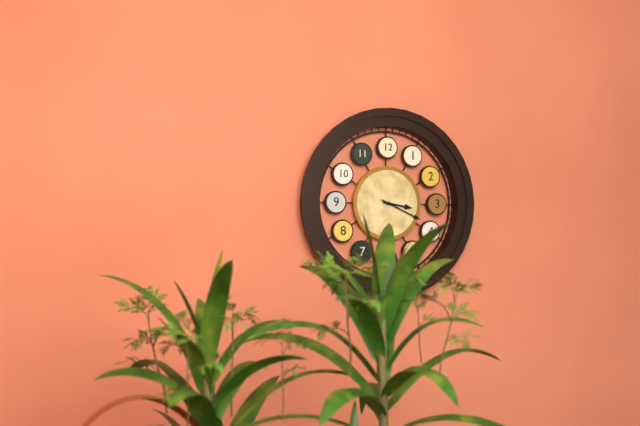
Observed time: 3:19
